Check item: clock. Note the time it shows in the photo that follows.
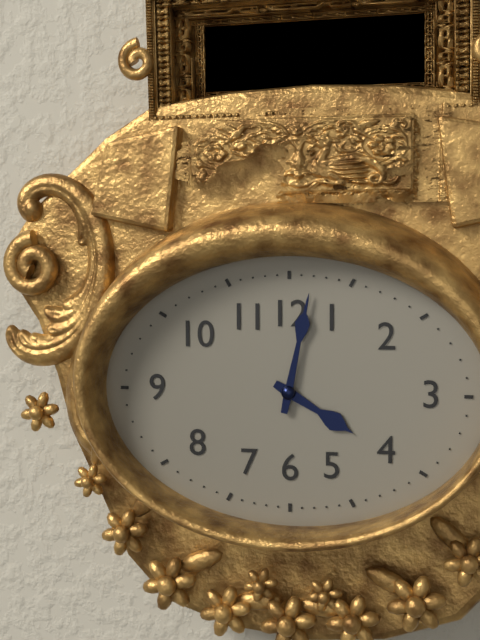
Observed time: 4:02
